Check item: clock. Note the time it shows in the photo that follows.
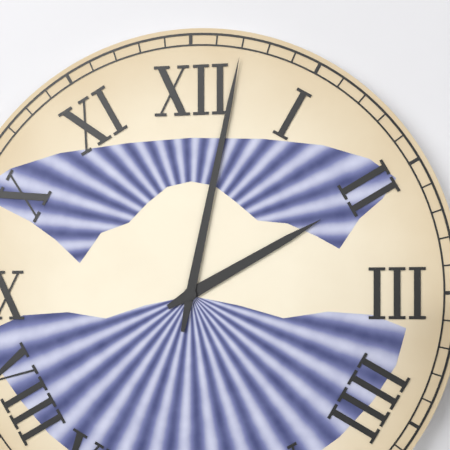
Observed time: 2:02
